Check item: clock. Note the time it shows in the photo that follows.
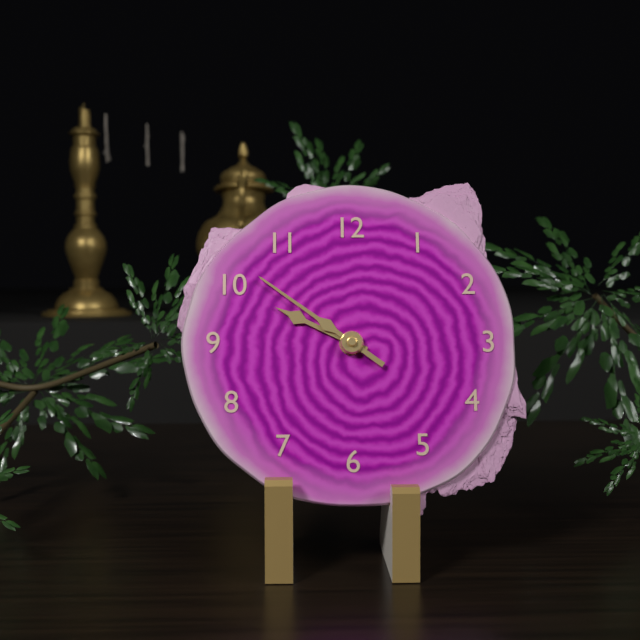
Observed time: 9:51
